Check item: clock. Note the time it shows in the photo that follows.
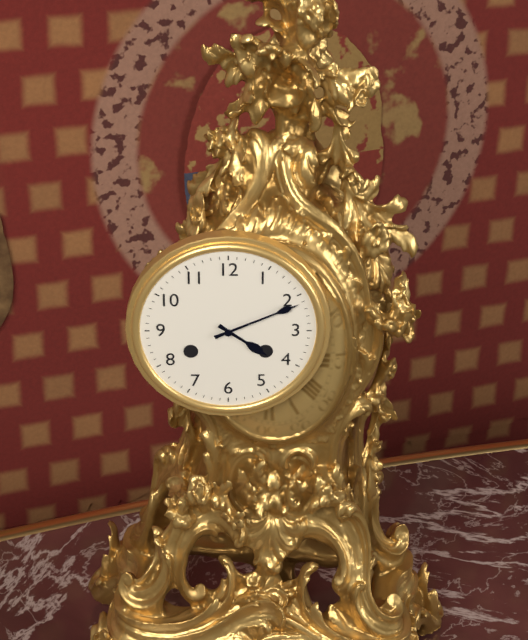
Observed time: 4:11
